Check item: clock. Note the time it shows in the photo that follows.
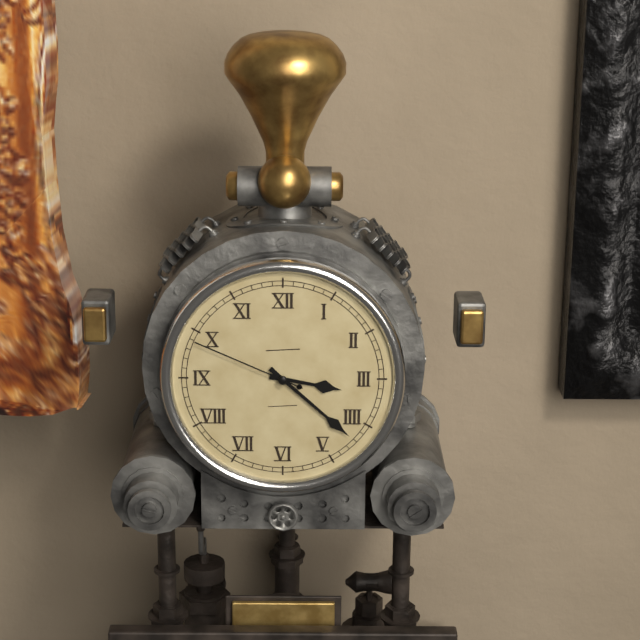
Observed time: 3:22:49
